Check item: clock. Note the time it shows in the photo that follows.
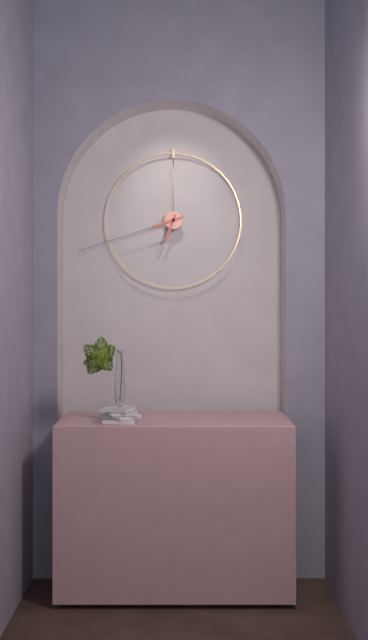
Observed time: 6:42
